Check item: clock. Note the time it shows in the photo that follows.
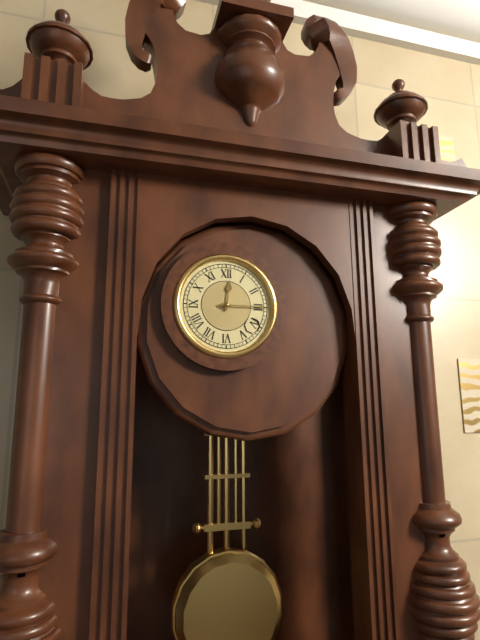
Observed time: 12:15
